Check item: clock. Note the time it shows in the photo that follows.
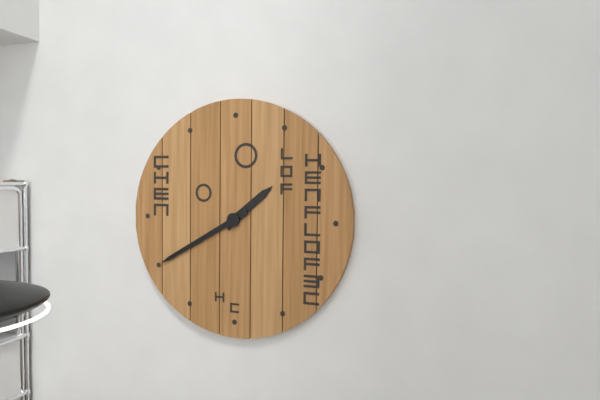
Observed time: 1:40
